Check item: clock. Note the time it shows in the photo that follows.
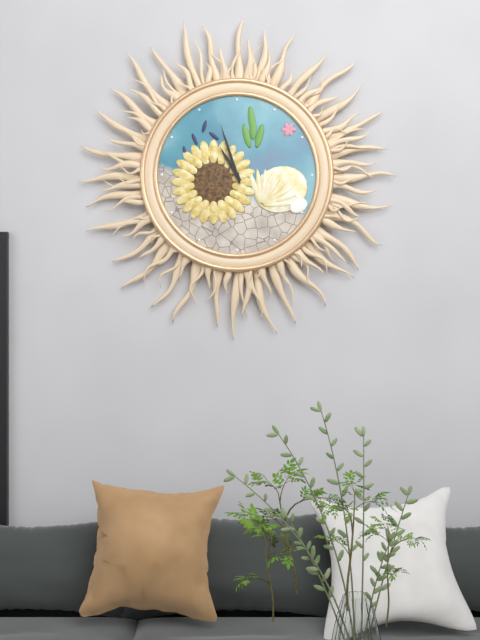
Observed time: 10:57
